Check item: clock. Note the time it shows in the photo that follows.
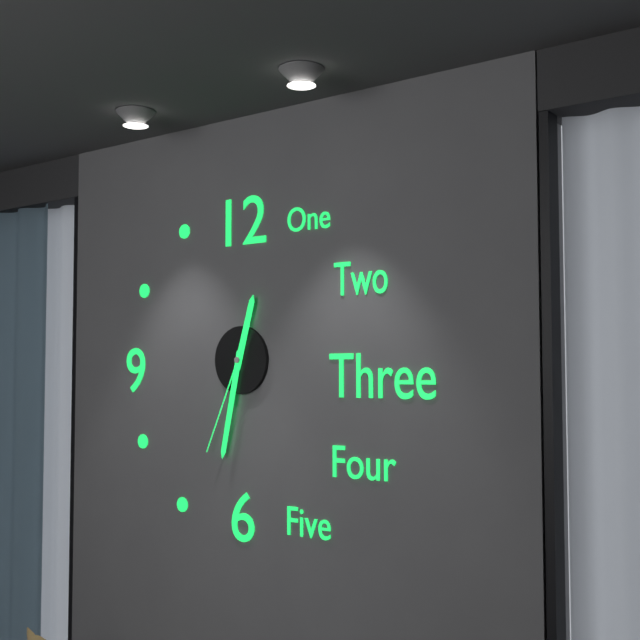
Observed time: 12:32:34
